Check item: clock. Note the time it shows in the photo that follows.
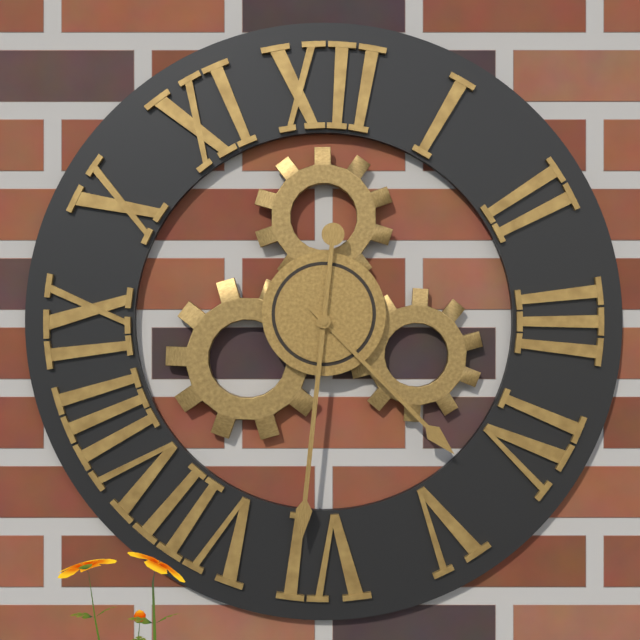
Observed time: 4:31
